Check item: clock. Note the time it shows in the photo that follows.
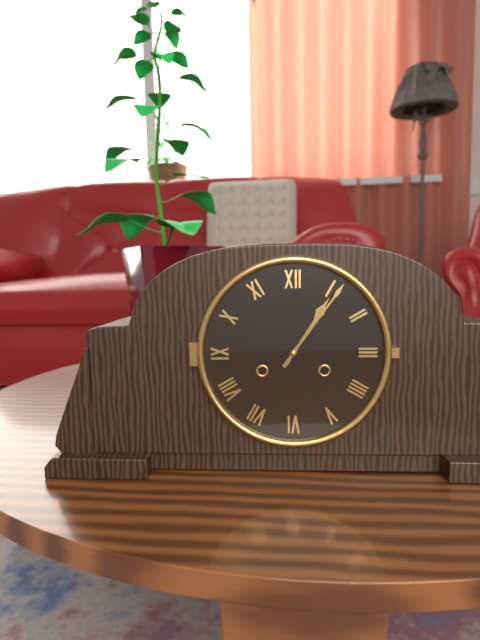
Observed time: 1:06
